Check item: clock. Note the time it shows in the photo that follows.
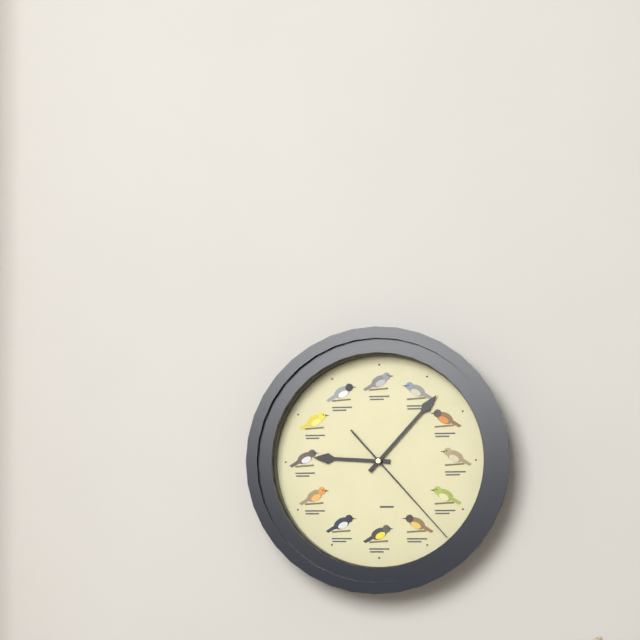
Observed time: 9:07:23
